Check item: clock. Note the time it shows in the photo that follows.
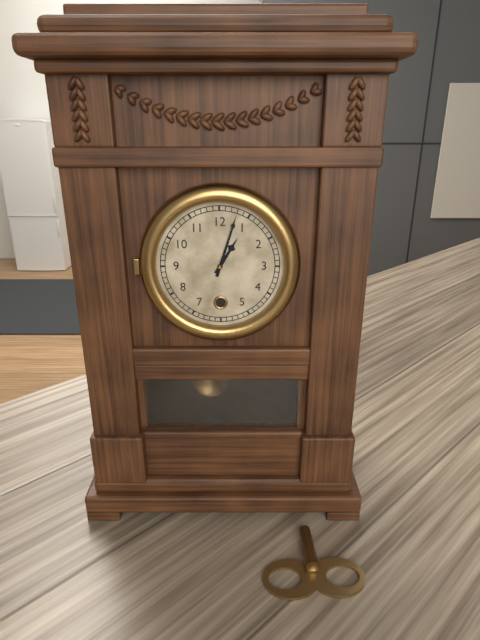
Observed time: 1:03
